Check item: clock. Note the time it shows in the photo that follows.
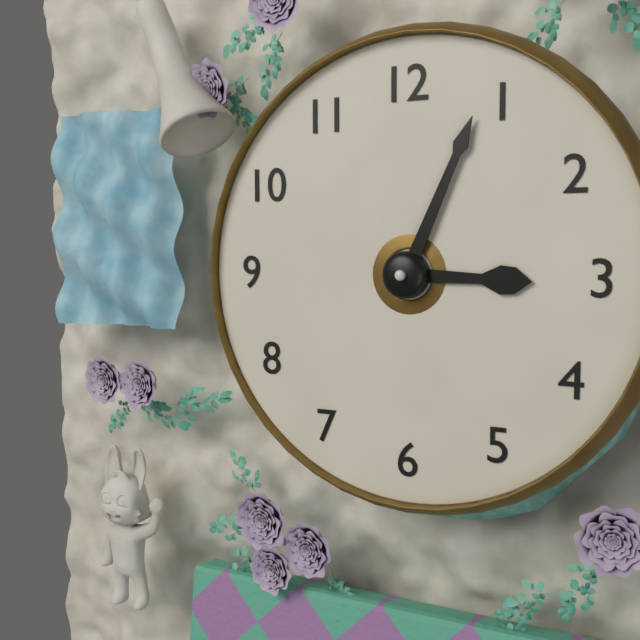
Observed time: 3:04
